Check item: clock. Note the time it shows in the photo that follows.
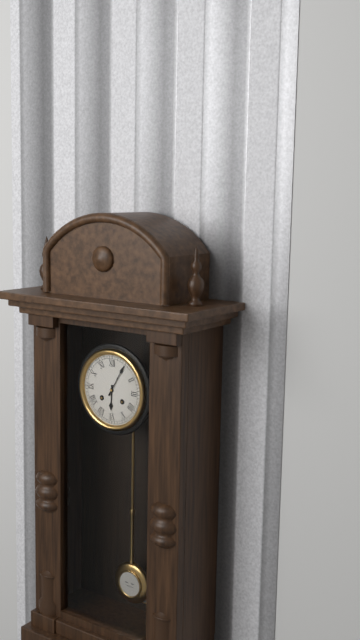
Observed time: 6:05
